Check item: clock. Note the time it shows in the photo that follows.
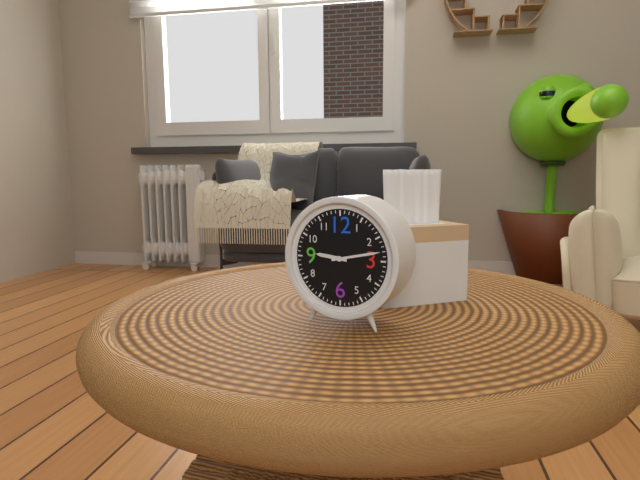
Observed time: 9:13
